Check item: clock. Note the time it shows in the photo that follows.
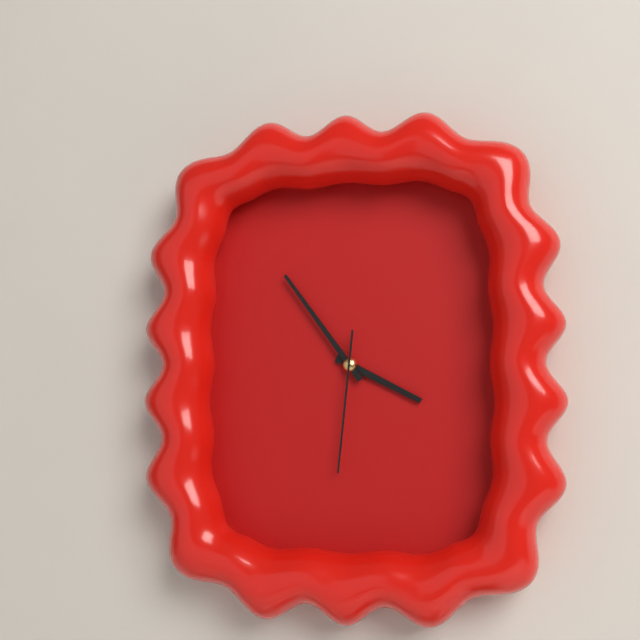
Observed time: 3:54:31
